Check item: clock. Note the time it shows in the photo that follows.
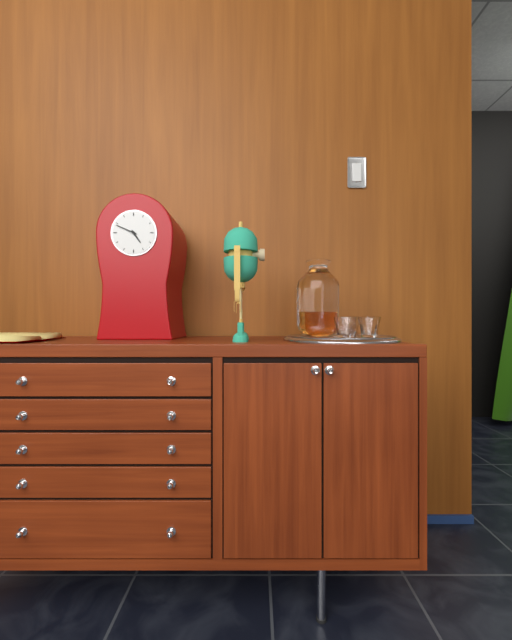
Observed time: 4:49
